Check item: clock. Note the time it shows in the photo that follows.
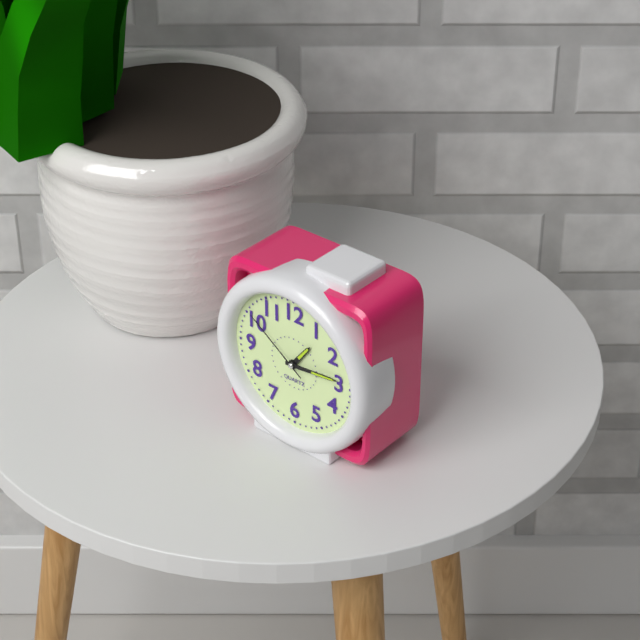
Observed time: 1:14:51
